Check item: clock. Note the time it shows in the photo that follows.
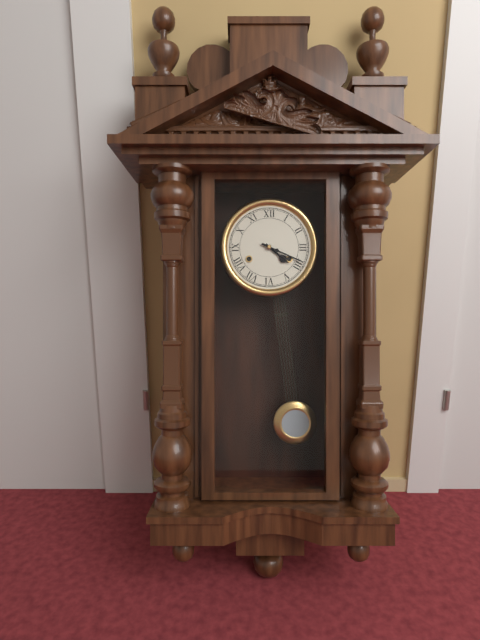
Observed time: 4:19
